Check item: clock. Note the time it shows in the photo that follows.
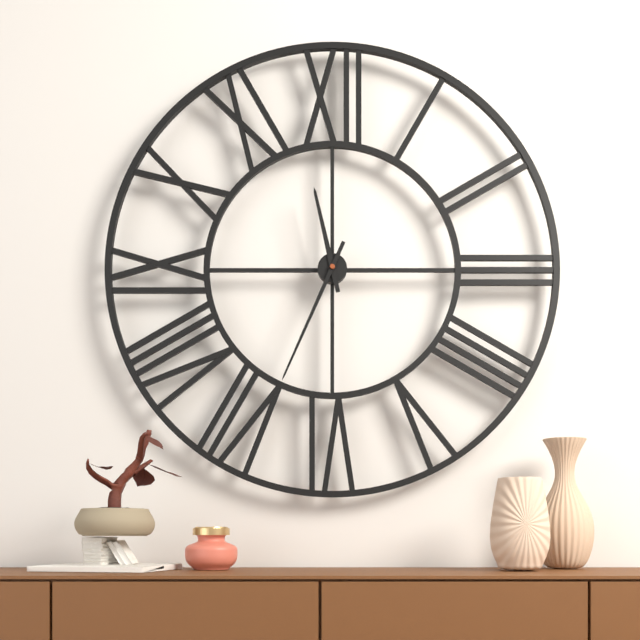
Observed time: 11:34
